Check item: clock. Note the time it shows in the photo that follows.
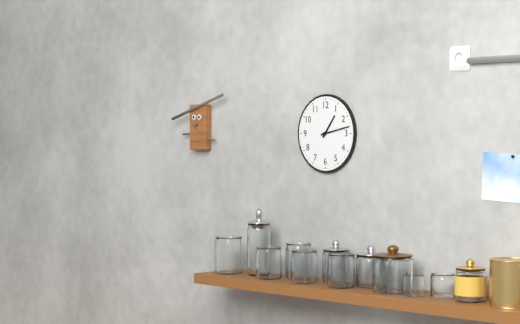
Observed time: 1:13
